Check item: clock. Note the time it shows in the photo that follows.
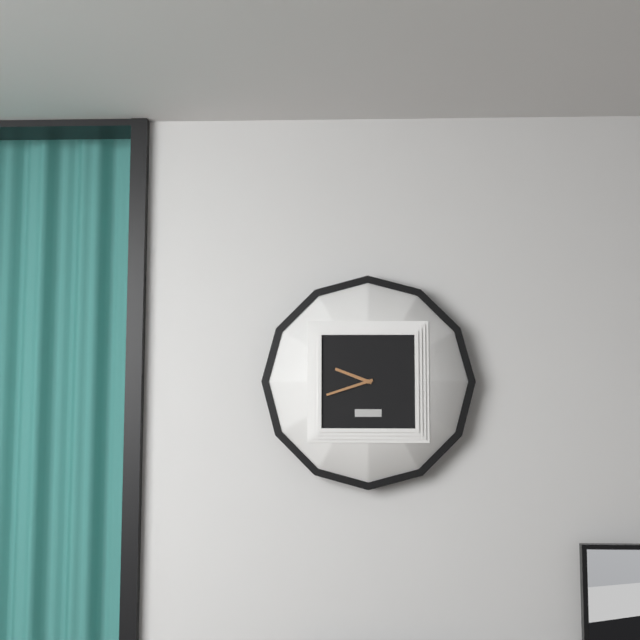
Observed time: 9:42
